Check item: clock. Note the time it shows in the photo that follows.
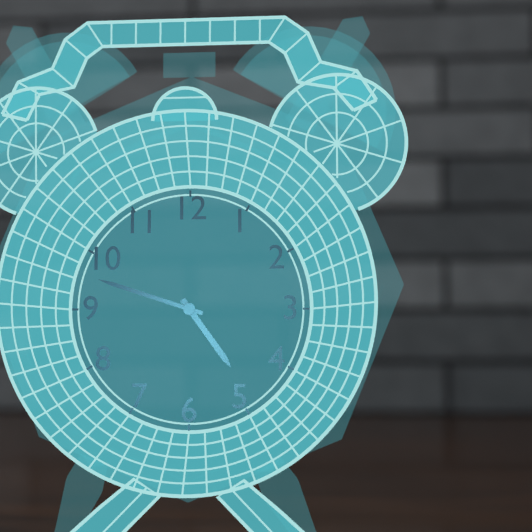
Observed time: 4:48
